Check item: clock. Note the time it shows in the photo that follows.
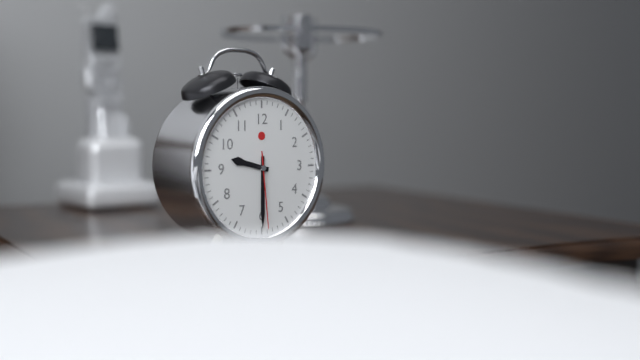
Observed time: 9:30:29
